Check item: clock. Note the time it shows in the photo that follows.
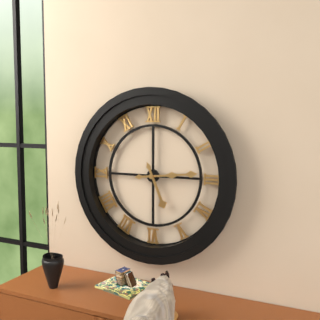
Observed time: 5:14
